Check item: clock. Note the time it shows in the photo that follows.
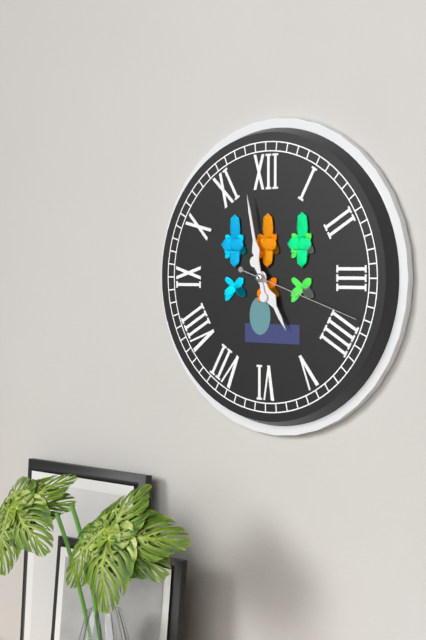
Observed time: 4:58:18
